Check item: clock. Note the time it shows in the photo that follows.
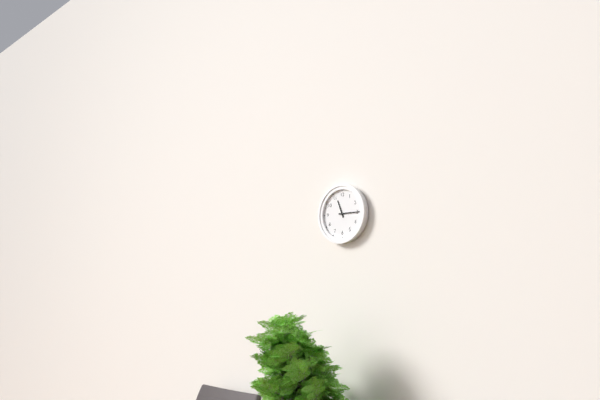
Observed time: 11:15
